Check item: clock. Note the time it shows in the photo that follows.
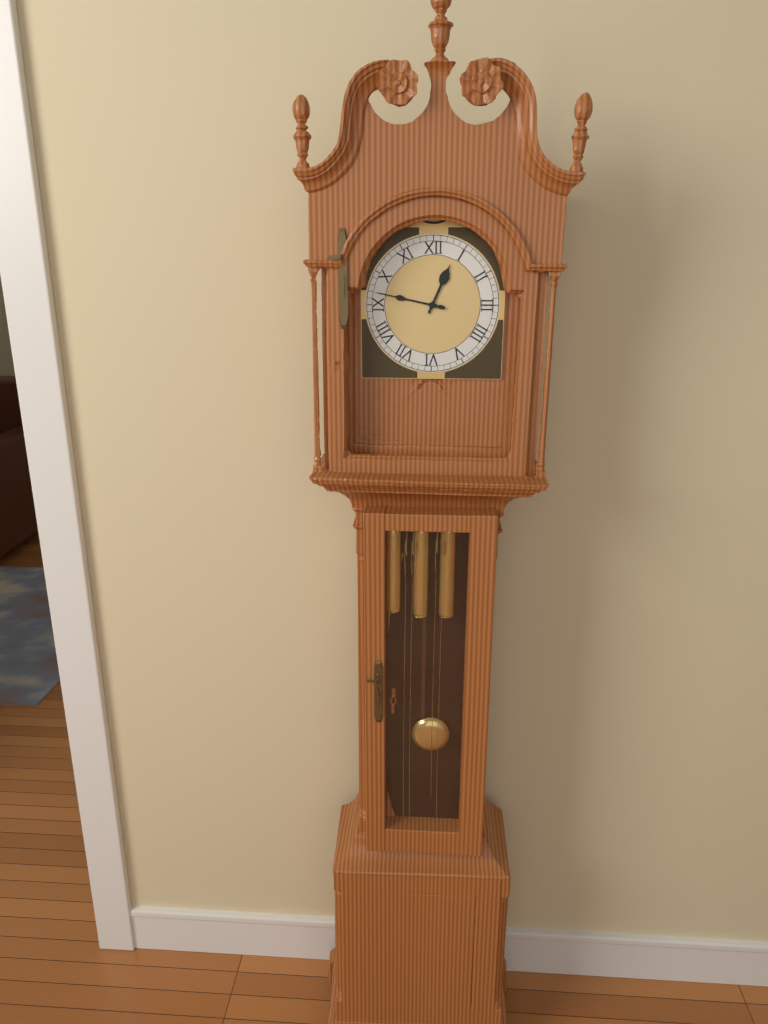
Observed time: 12:47
